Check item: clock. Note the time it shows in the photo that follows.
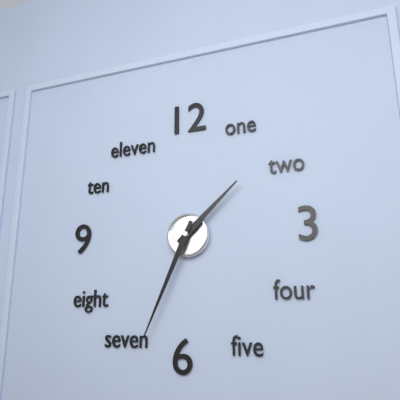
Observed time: 1:34
